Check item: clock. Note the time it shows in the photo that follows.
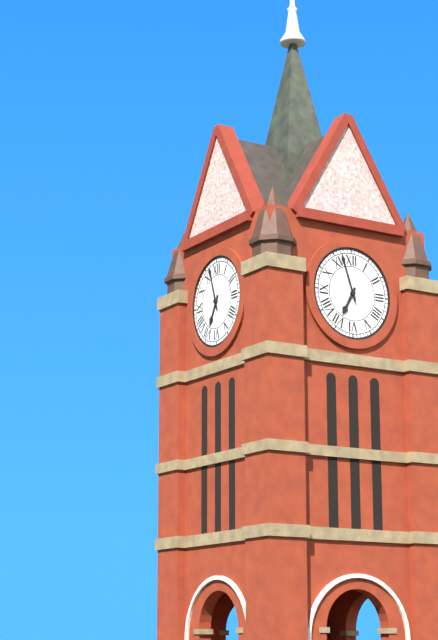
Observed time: 6:57
